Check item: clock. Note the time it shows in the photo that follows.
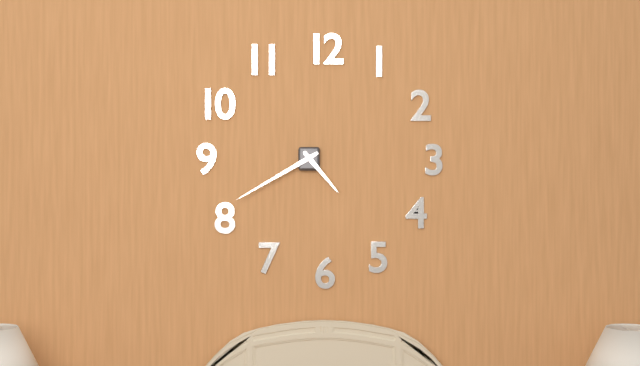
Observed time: 4:40
